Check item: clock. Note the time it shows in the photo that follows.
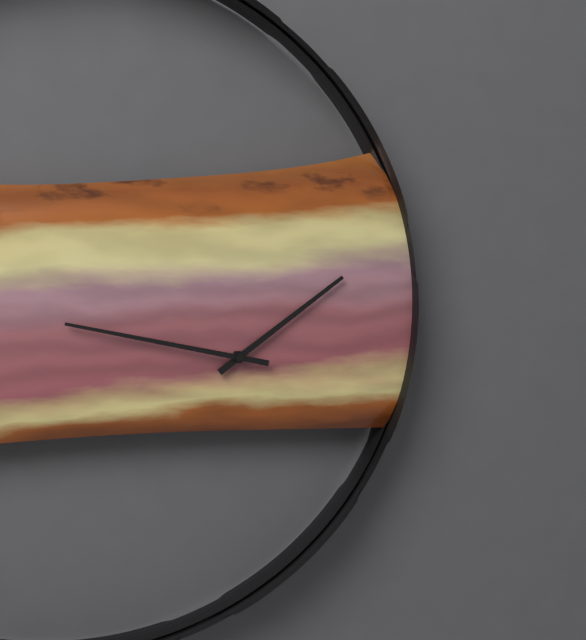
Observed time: 1:47
